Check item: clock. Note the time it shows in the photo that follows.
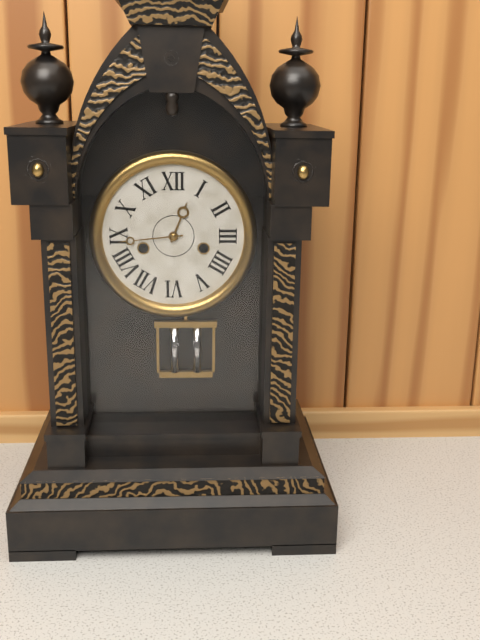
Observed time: 12:44
